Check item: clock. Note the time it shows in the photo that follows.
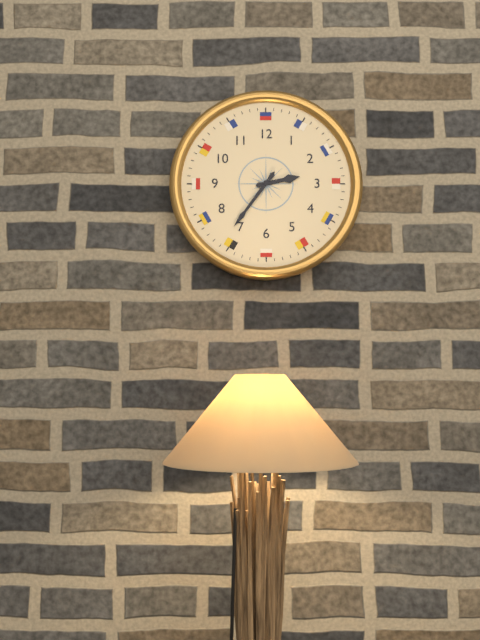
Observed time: 2:36
